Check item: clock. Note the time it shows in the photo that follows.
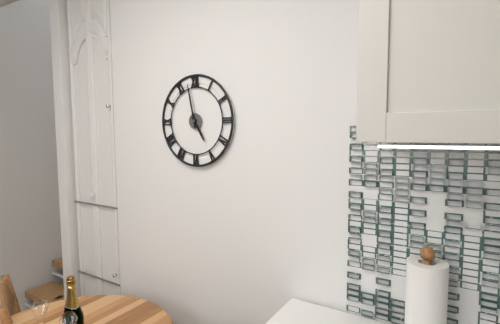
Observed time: 4:58
